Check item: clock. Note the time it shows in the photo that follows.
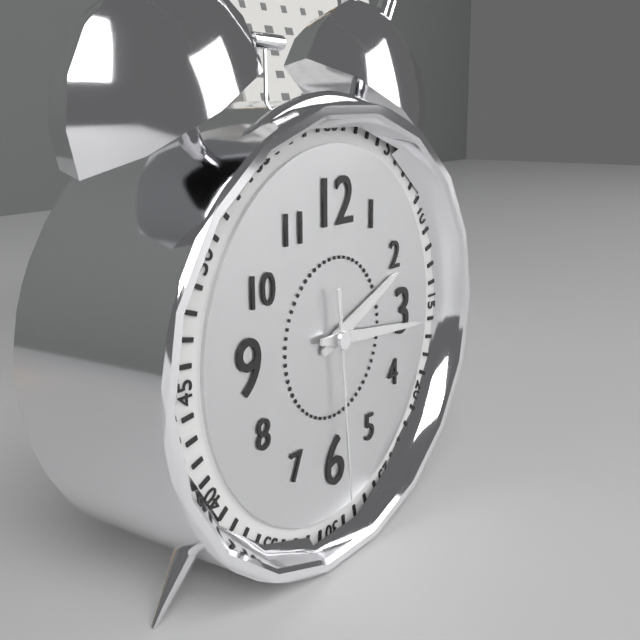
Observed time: 2:16:29
